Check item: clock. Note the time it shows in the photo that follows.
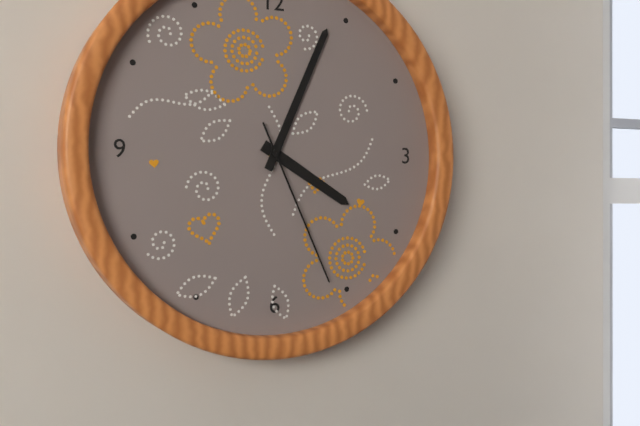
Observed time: 4:04:26
